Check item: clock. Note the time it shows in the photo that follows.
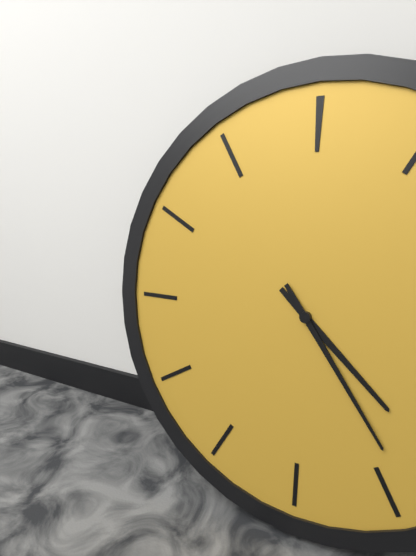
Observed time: 4:24
